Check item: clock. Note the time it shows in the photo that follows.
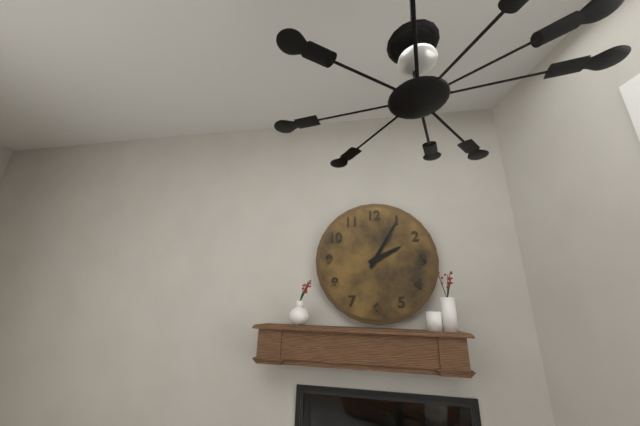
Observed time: 2:05
